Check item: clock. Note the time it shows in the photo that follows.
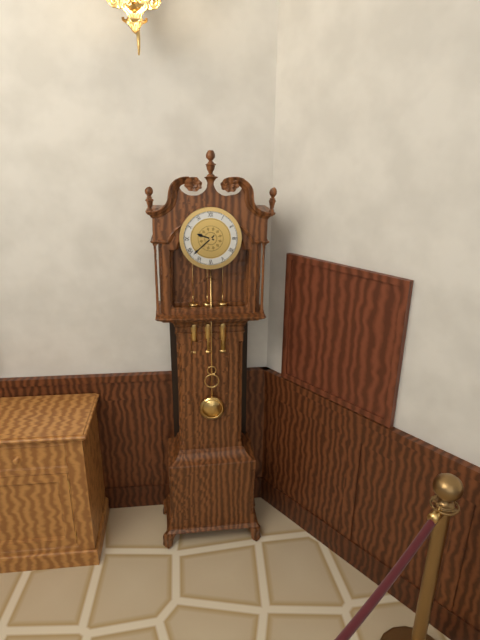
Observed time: 9:38
